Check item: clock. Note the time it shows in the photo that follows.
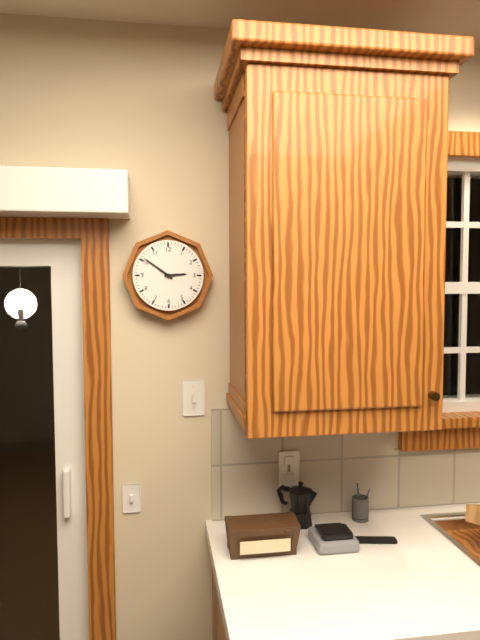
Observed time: 2:51
